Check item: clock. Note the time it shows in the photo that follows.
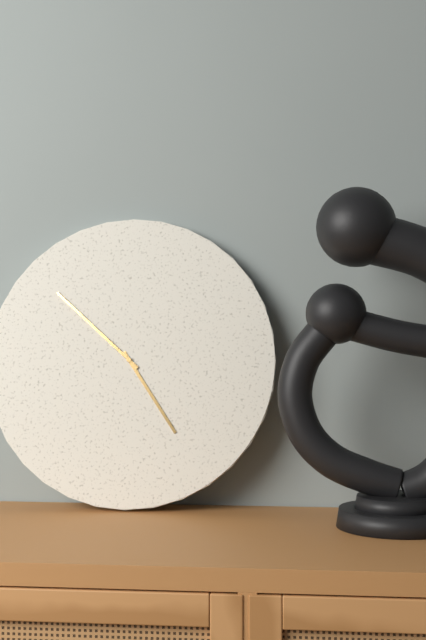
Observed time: 4:52
